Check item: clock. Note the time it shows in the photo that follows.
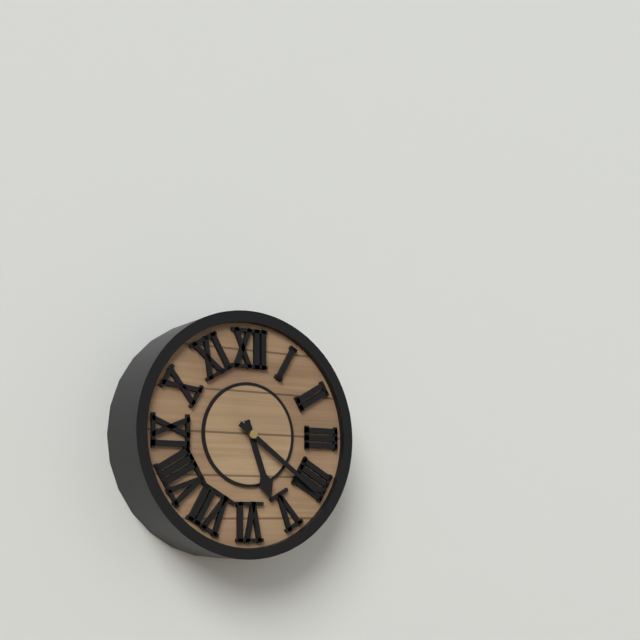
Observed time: 5:21
